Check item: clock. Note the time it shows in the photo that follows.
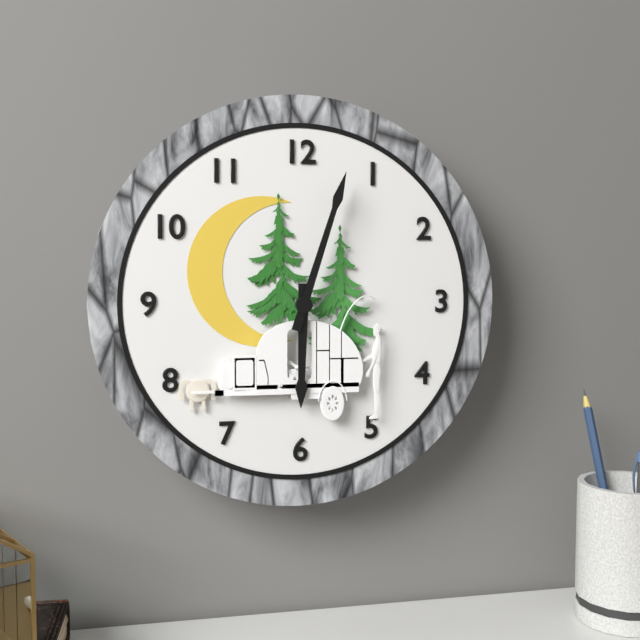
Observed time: 6:03
